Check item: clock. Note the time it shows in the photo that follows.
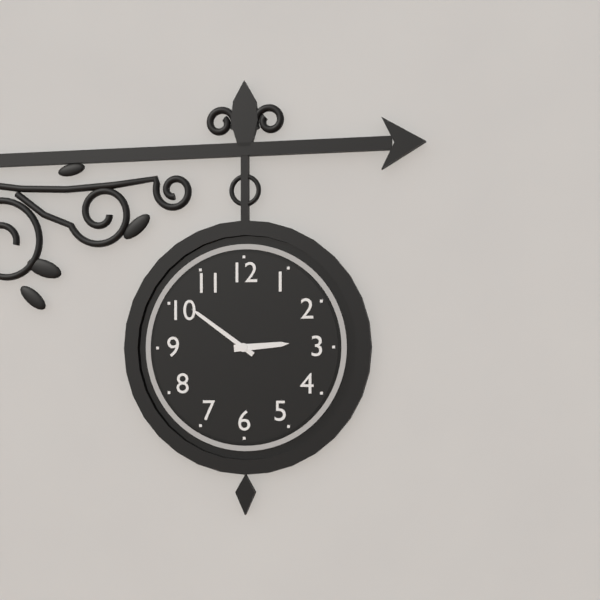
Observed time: 2:51
